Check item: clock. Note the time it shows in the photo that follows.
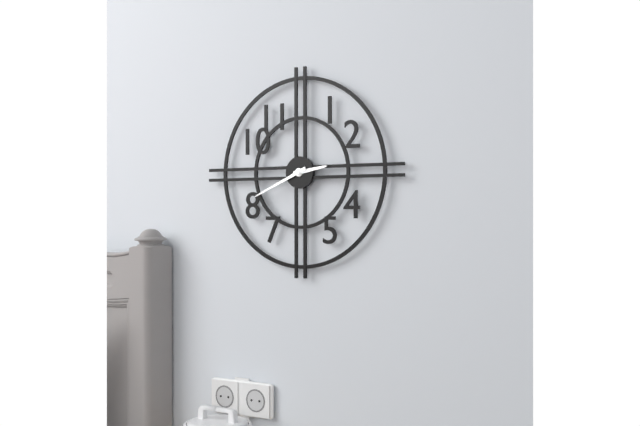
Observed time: 2:41
